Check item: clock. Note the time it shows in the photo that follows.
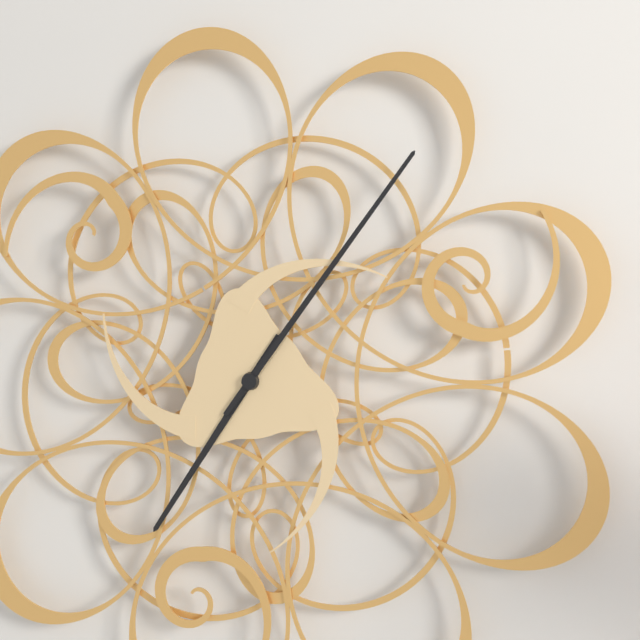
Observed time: 7:06
